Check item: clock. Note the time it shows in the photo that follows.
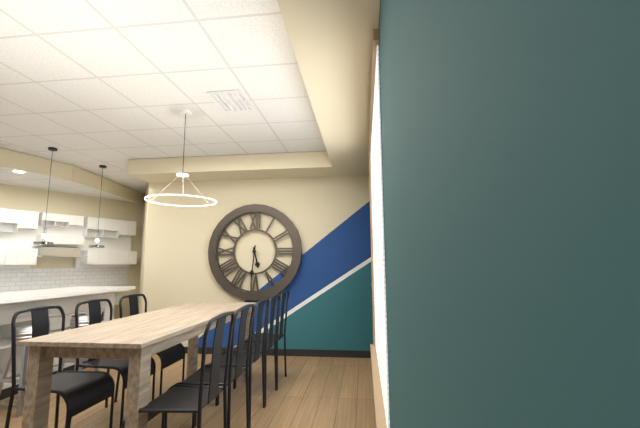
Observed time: 5:31
